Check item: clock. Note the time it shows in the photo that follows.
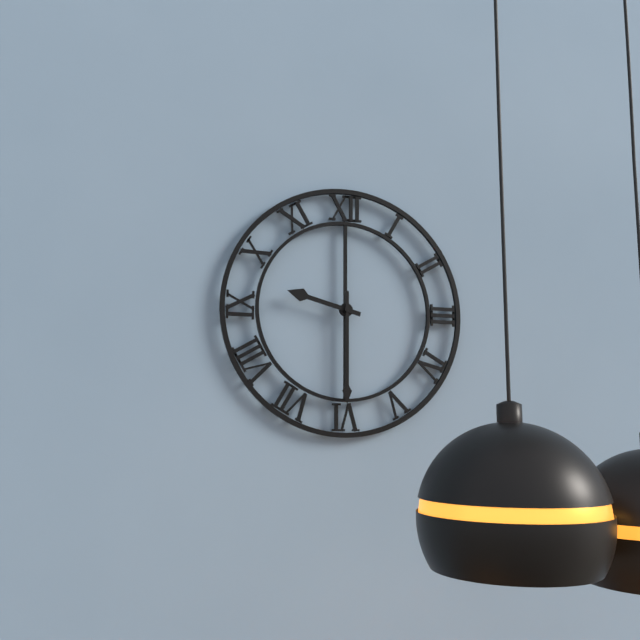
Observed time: 9:30
